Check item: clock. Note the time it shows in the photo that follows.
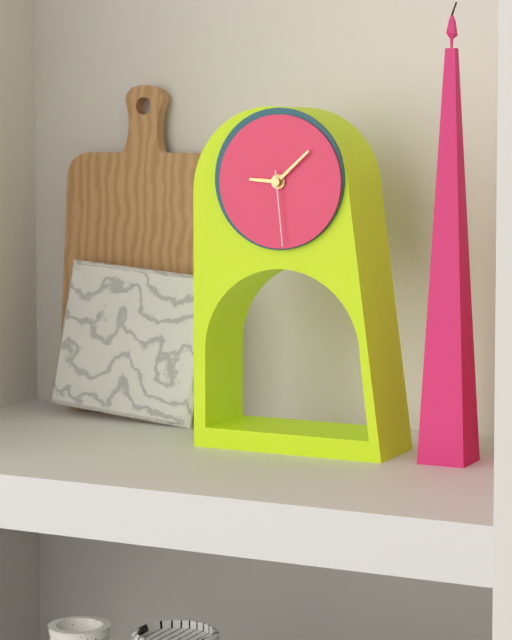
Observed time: 9:08:29
